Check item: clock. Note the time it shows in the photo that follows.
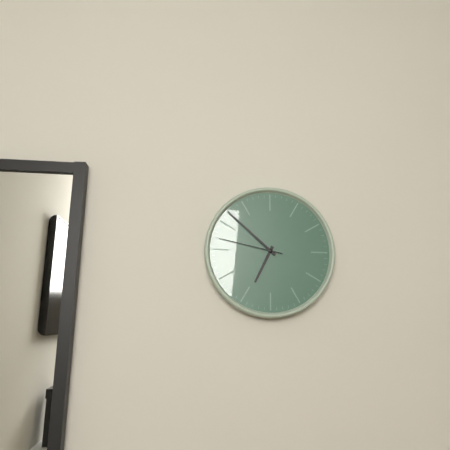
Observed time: 6:52:47
